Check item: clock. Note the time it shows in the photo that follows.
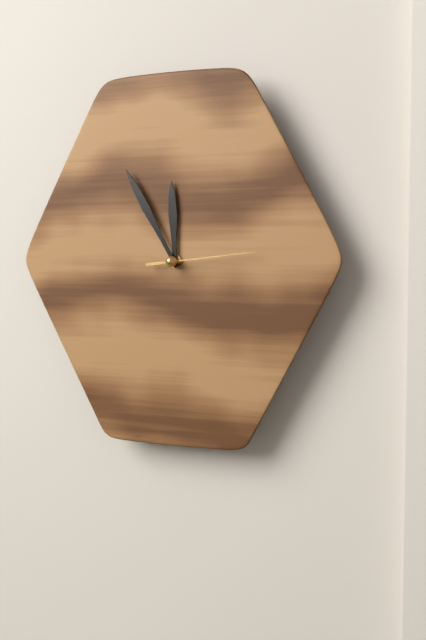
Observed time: 11:55:14
